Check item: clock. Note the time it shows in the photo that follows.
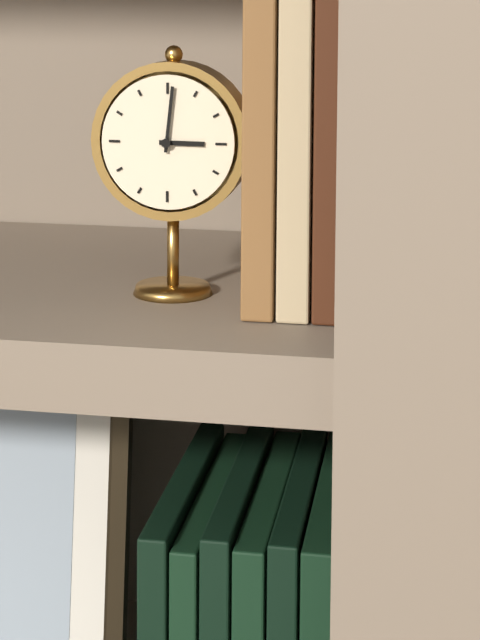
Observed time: 3:01
